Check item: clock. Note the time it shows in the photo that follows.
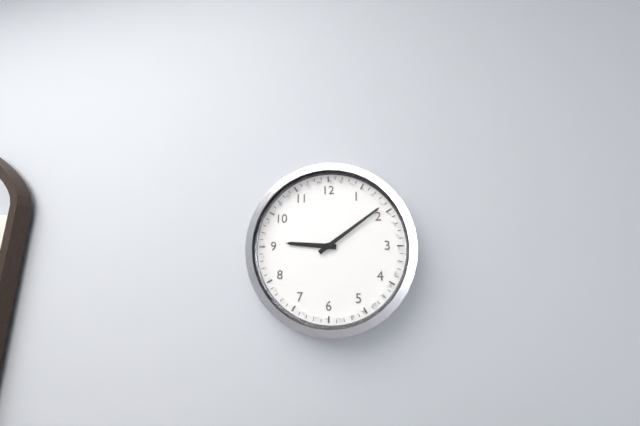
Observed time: 9:09
